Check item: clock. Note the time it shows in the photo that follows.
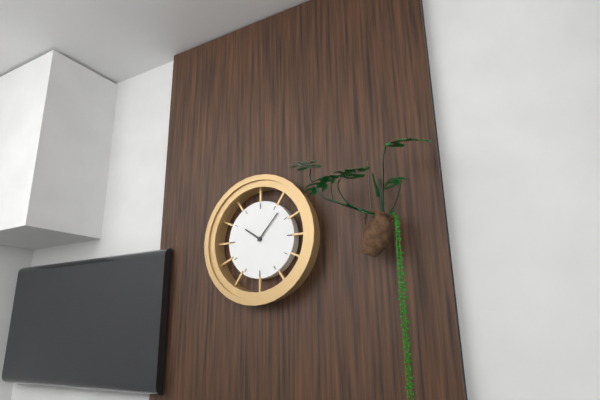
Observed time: 10:07
